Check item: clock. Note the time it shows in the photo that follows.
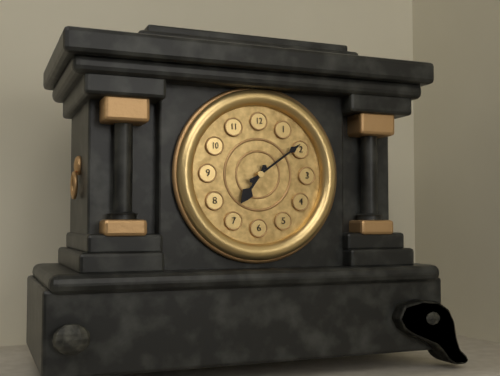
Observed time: 7:09
